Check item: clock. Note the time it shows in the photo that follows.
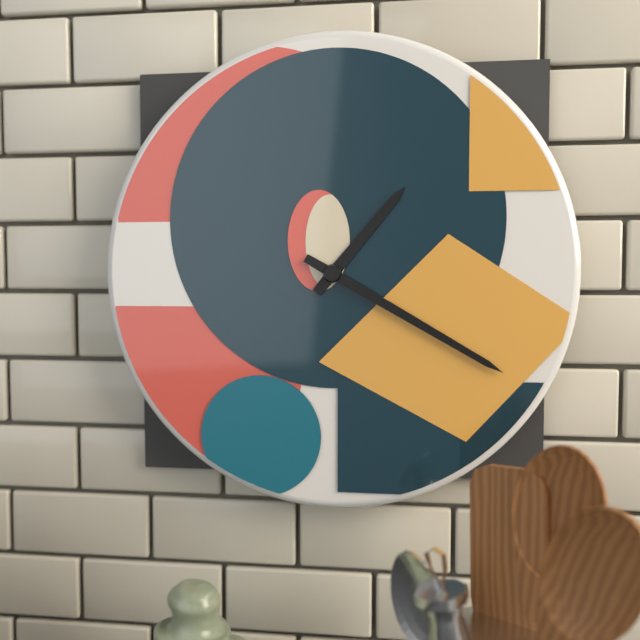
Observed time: 1:20
